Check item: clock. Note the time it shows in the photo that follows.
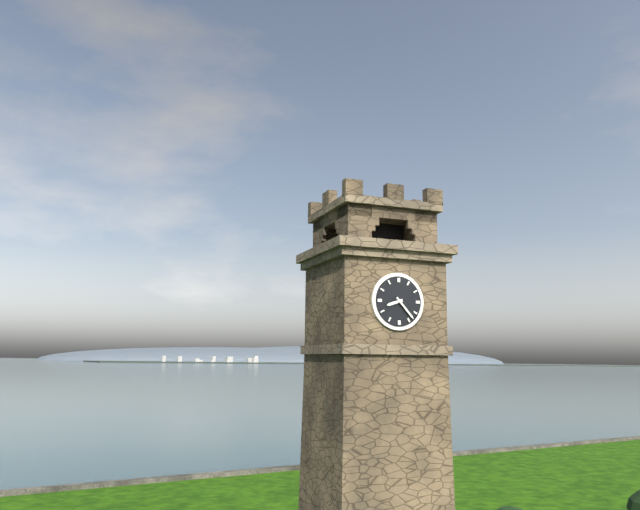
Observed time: 8:23
